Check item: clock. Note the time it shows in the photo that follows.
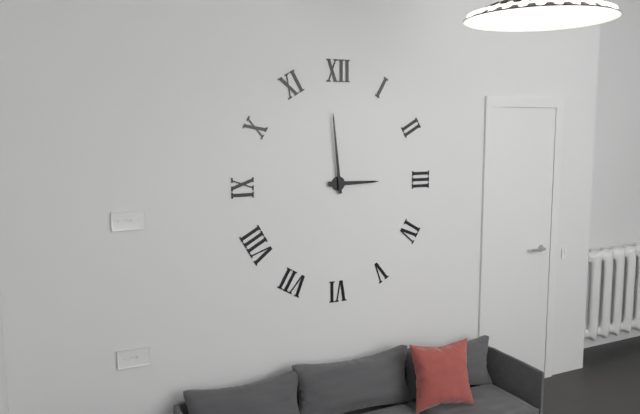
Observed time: 2:59
